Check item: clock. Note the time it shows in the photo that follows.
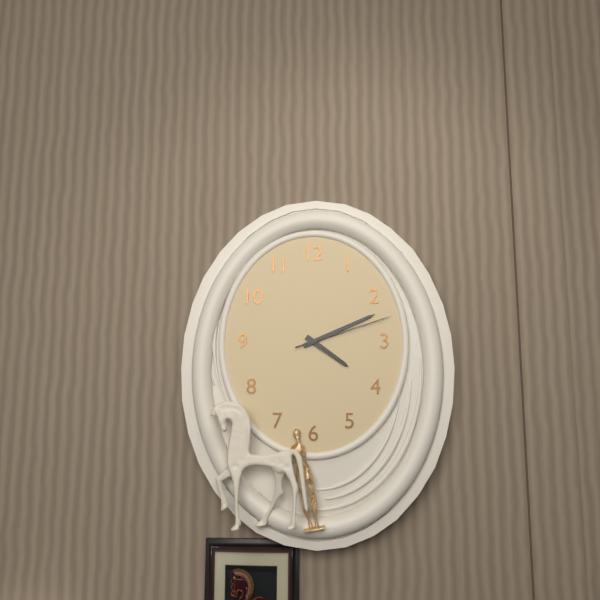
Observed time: 4:11:12
